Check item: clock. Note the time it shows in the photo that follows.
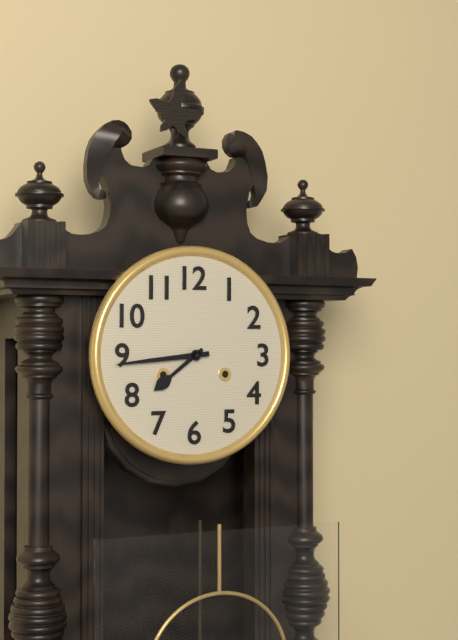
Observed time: 7:44
